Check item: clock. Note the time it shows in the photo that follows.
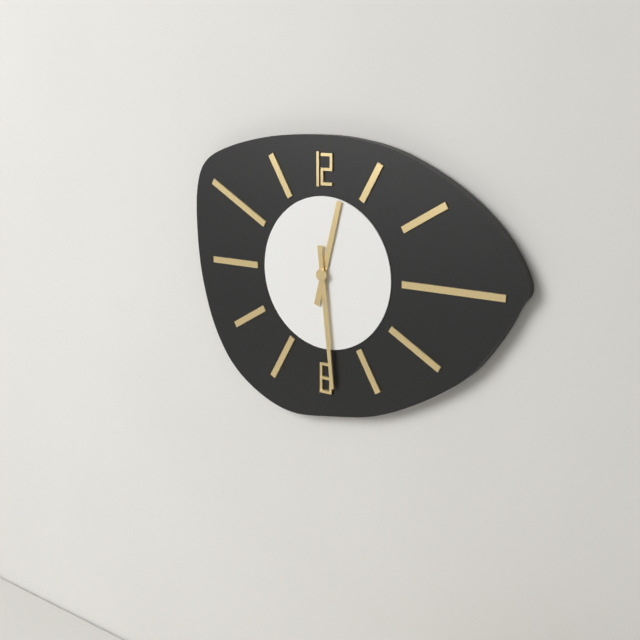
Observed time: 12:29
